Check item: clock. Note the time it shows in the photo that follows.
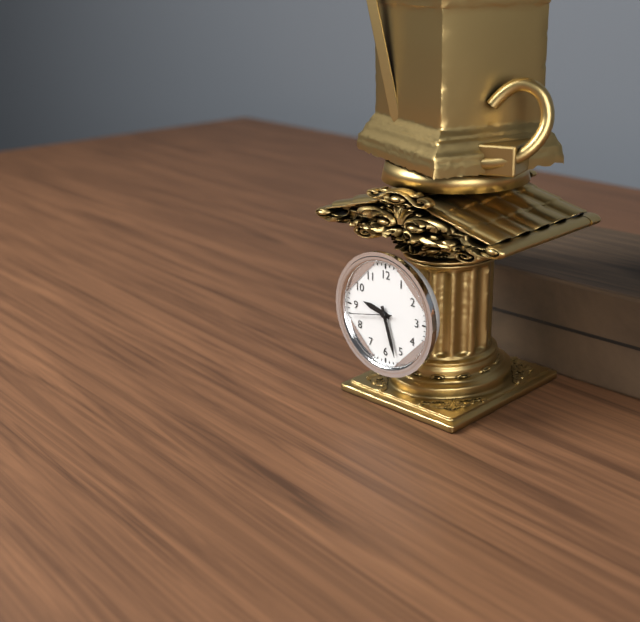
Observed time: 9:27
